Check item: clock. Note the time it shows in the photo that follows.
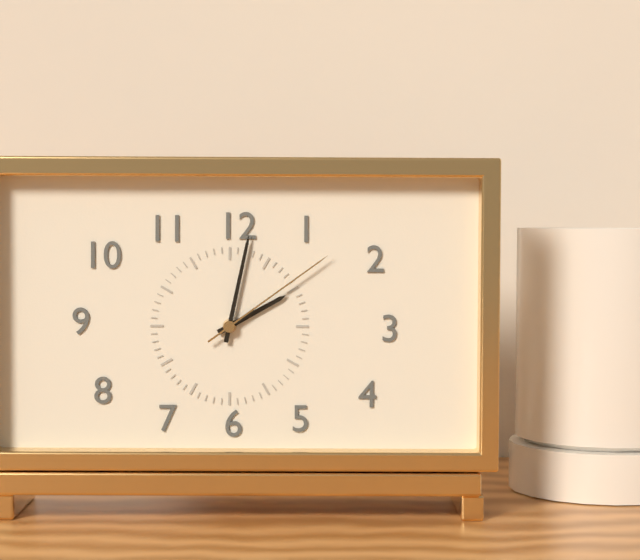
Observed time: 2:02:09
